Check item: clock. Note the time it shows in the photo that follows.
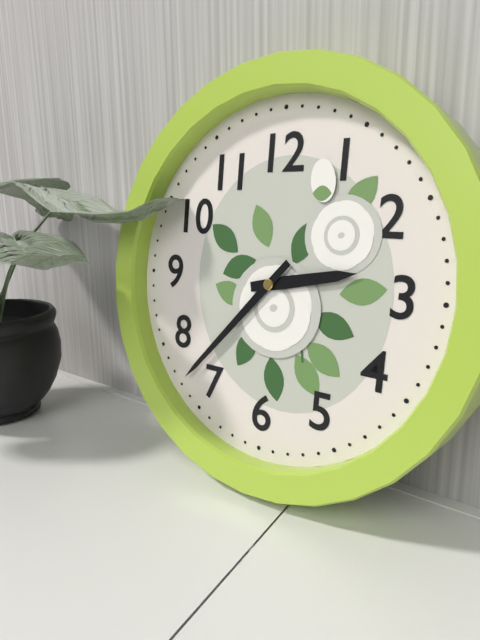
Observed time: 2:37
